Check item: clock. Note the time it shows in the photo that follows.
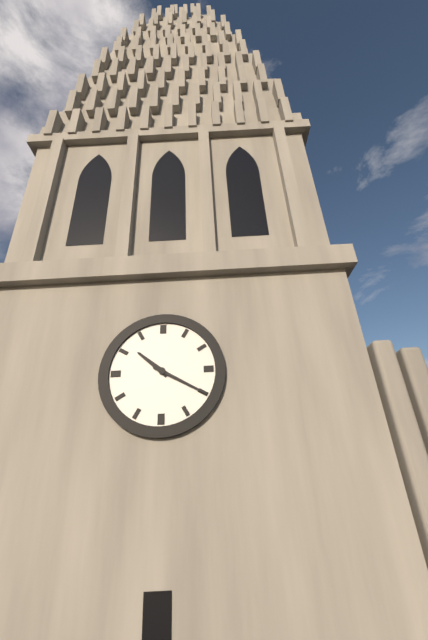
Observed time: 10:20
